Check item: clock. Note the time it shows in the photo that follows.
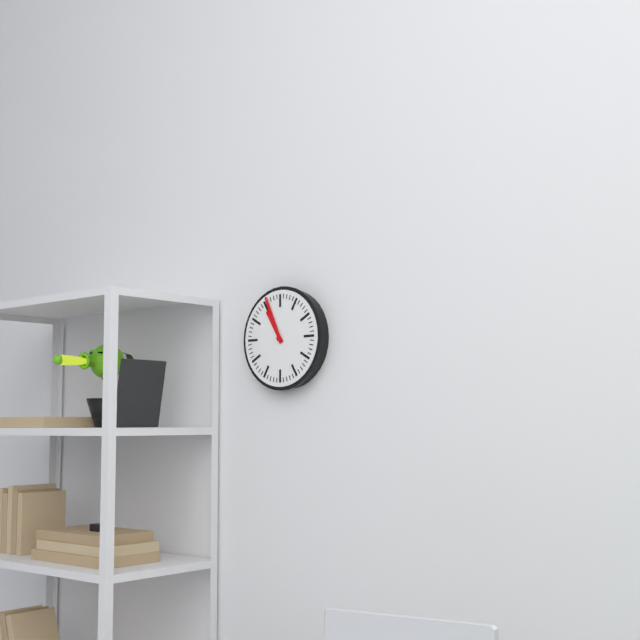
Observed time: 10:56
